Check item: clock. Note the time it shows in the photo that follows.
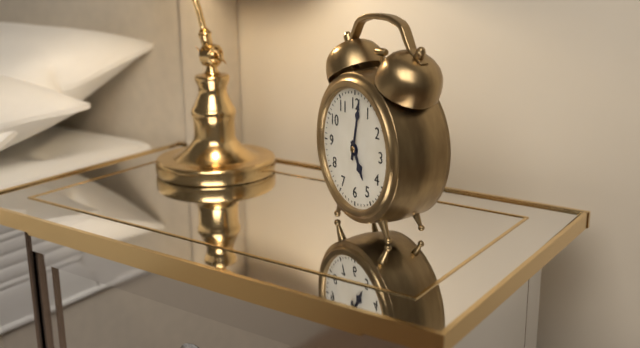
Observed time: 5:02
